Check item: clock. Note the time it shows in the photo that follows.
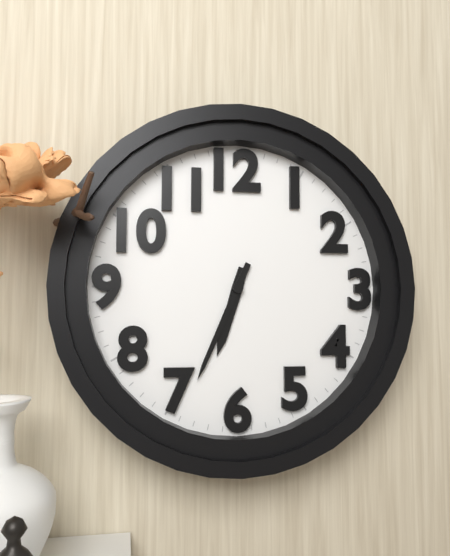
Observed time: 6:34
